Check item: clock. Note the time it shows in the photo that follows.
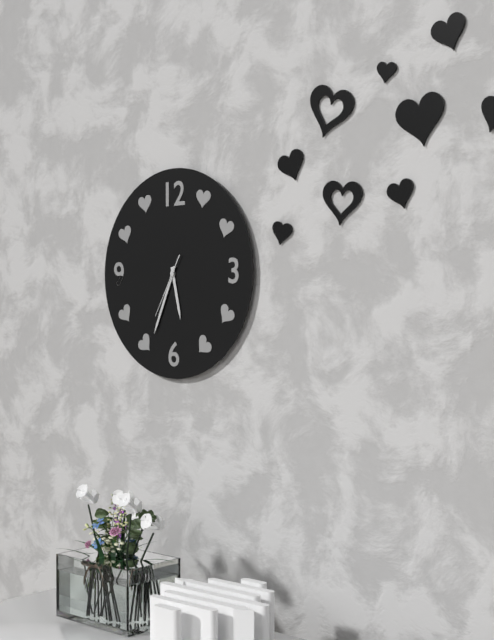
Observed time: 5:34:35
